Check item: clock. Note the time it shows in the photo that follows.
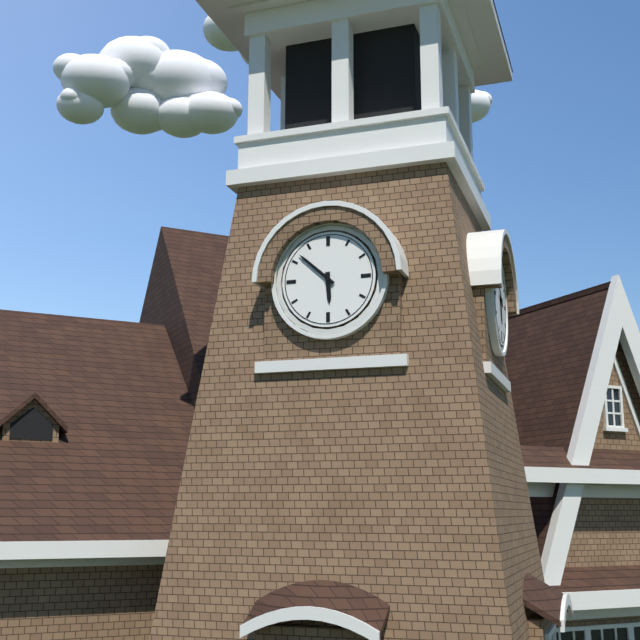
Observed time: 5:52
